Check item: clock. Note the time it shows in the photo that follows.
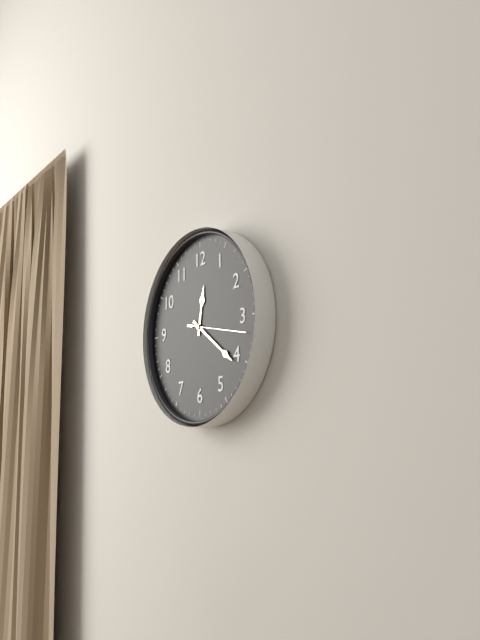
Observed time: 12:21:17
